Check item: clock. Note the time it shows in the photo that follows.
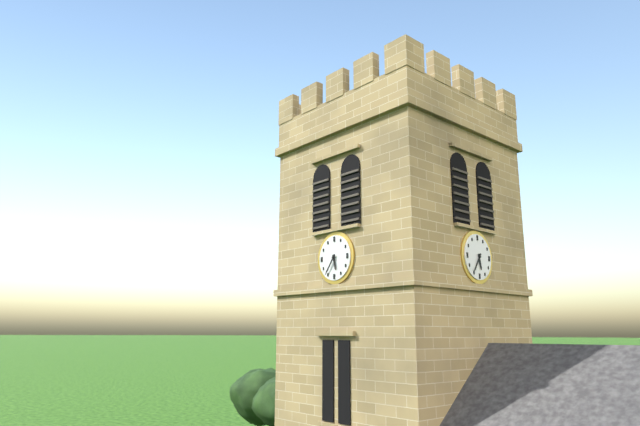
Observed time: 5:36
